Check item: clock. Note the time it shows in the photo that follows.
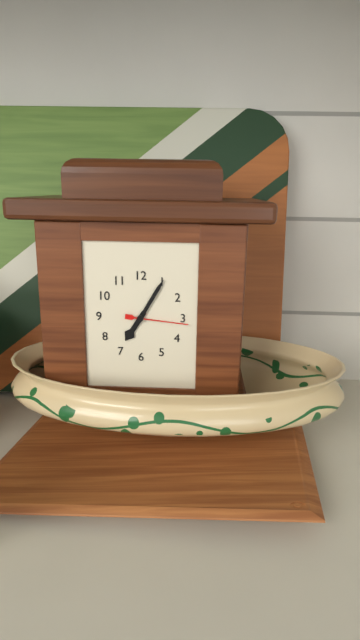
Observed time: 7:05:16
